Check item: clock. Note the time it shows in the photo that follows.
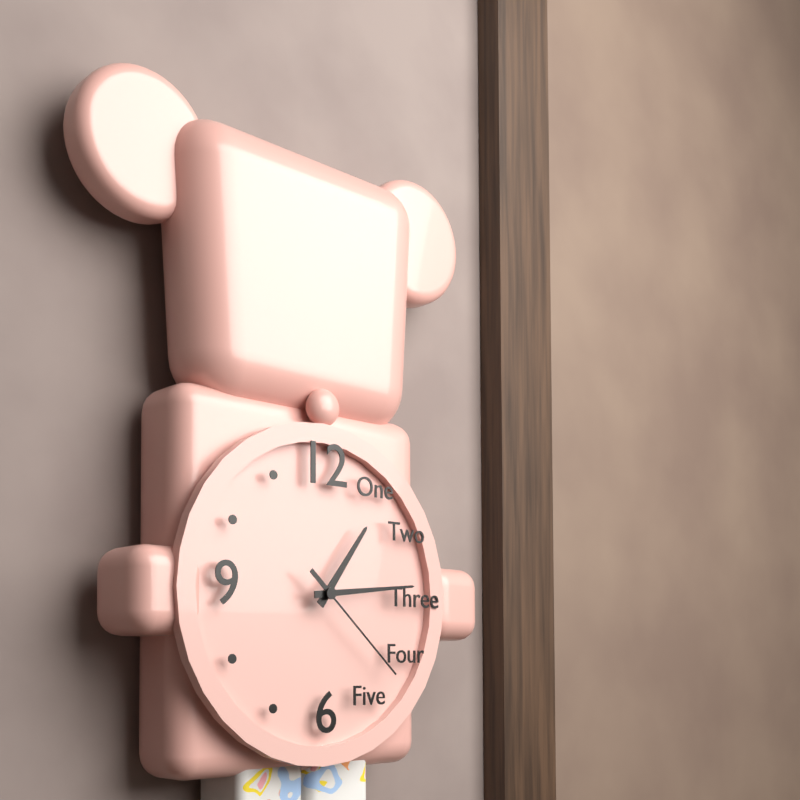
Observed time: 1:14:22
